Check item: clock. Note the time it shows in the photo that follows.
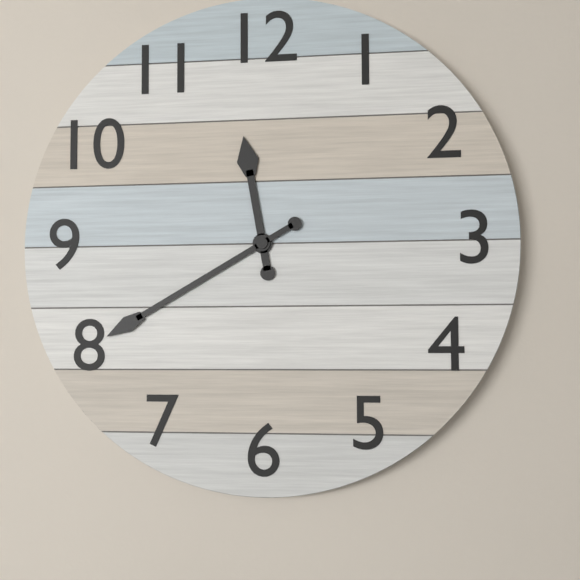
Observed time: 11:40
